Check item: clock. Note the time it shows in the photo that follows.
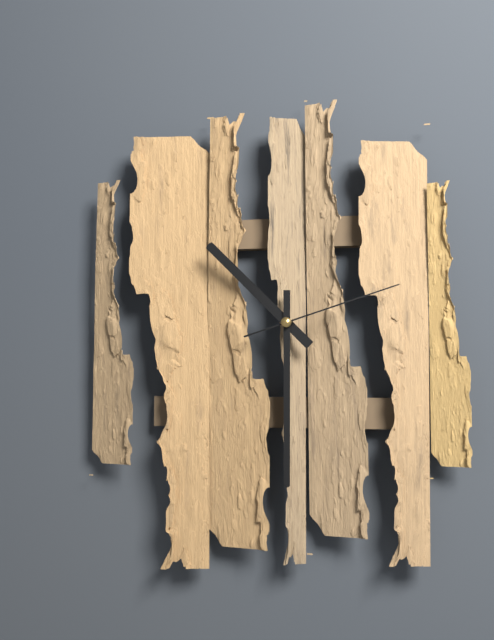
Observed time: 10:30:12
